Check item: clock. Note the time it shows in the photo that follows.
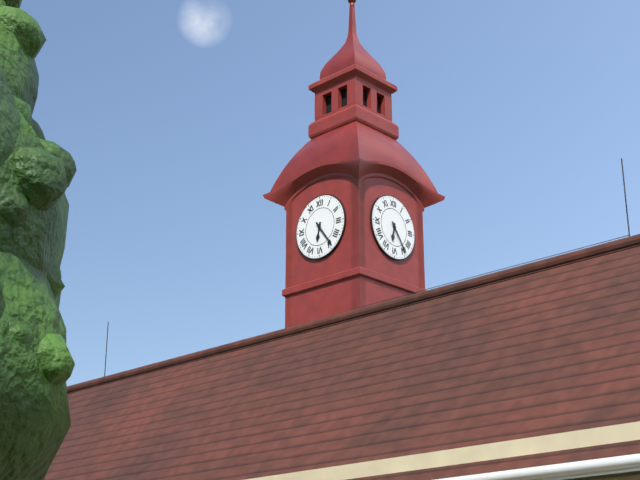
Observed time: 6:24
